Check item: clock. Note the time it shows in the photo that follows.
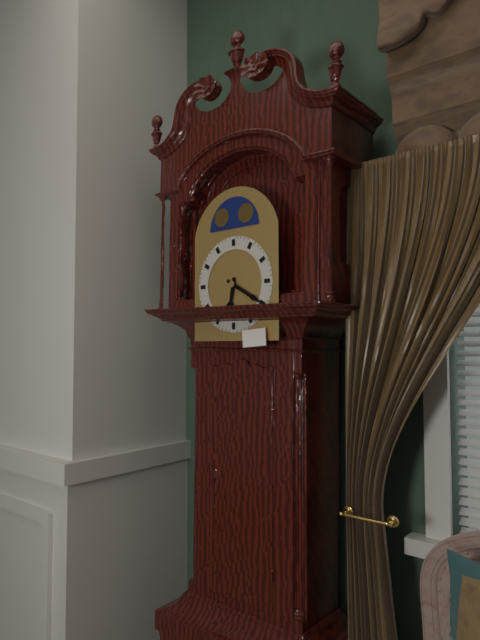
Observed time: 6:20
